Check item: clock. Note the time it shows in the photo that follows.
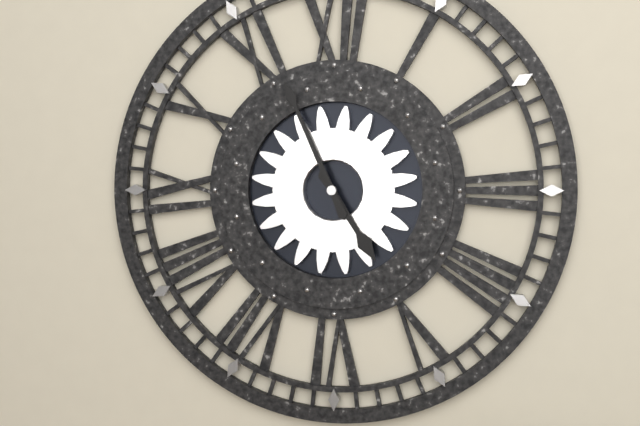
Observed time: 4:56
